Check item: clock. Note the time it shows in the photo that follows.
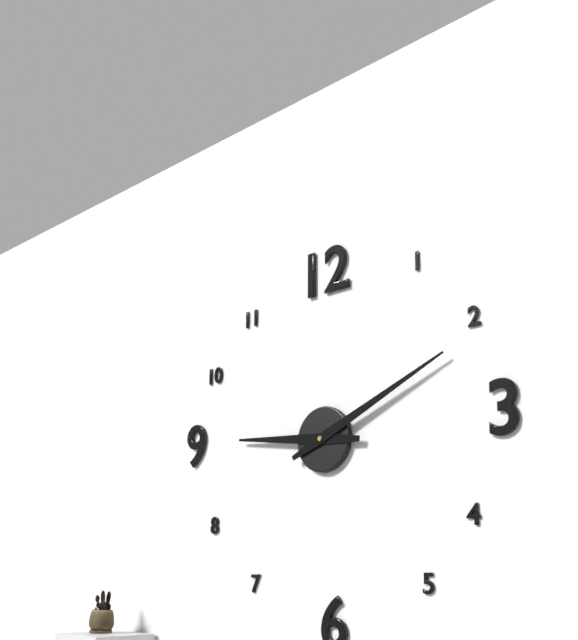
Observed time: 9:11
